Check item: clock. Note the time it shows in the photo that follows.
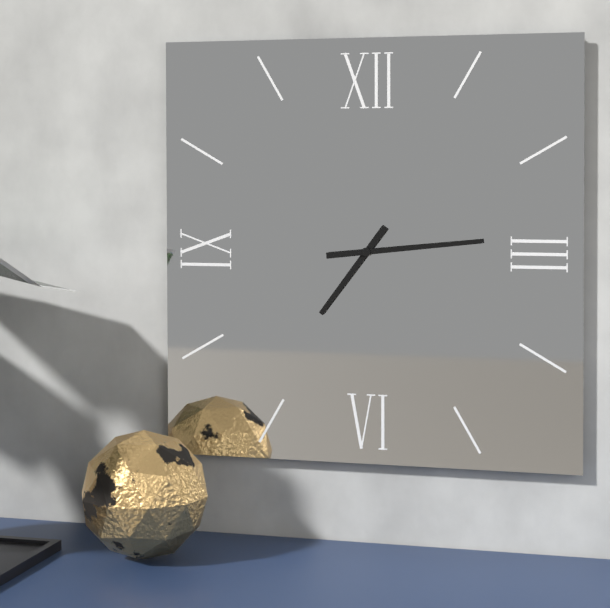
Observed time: 7:14
